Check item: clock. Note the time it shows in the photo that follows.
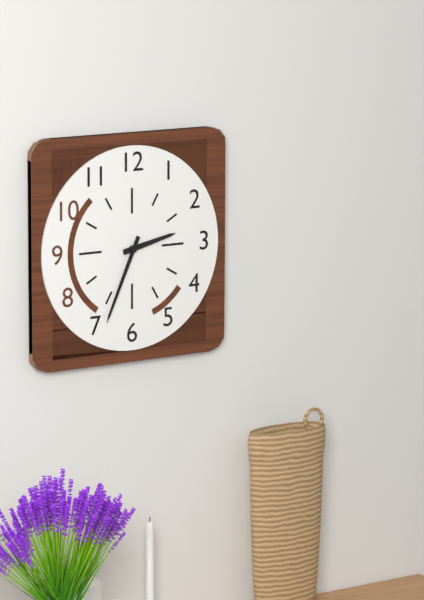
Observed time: 2:34
